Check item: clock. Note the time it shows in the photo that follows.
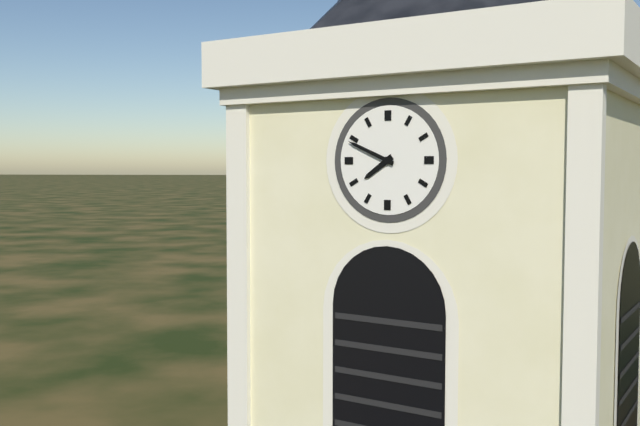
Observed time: 7:49
